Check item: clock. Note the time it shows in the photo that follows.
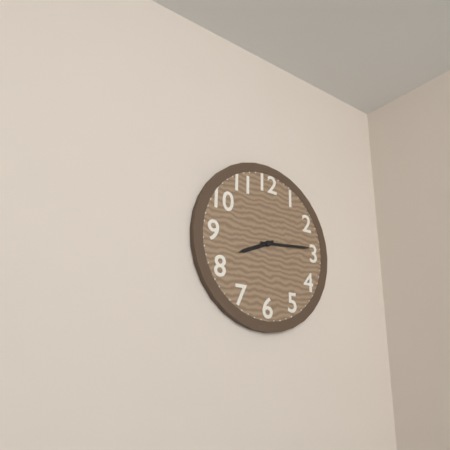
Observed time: 8:14
